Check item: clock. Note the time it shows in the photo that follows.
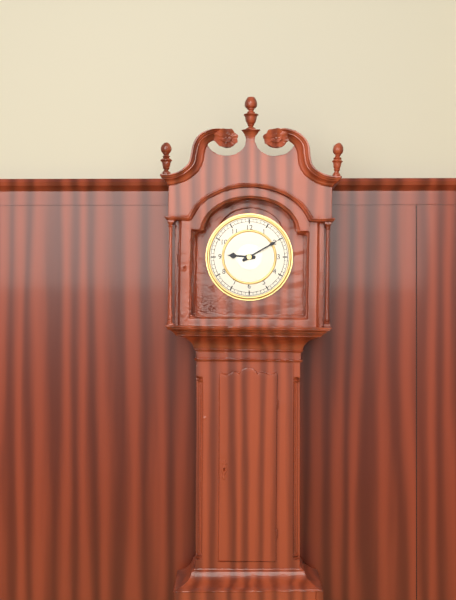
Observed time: 9:10
